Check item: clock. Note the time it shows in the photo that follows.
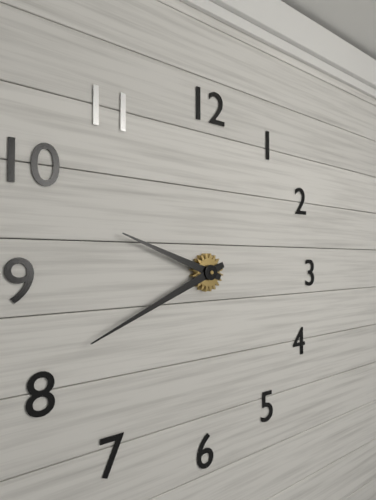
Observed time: 9:41
